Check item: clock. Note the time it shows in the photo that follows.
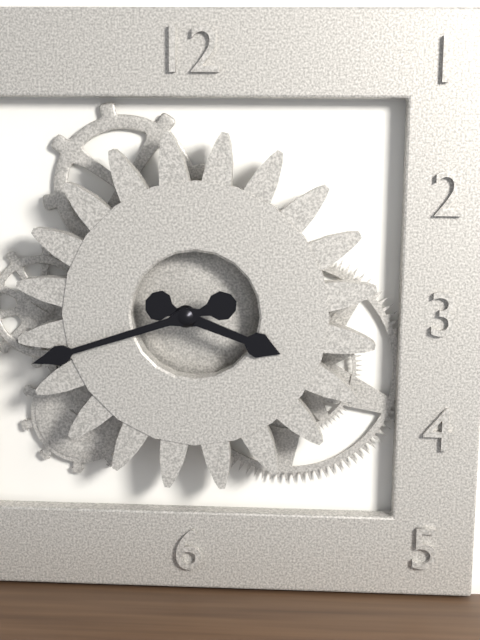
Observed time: 3:42
